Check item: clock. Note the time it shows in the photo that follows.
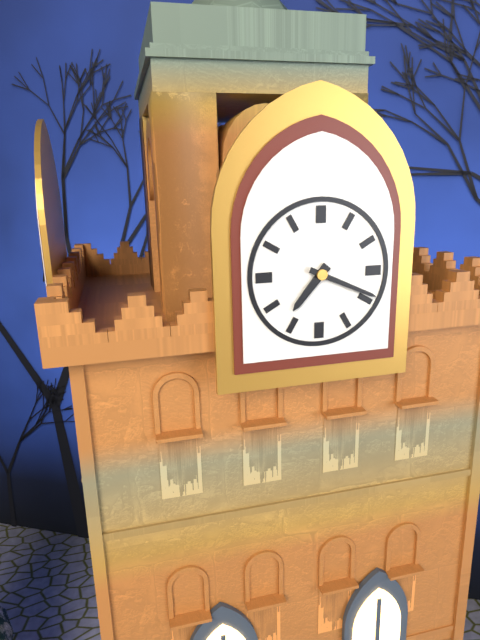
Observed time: 7:19
